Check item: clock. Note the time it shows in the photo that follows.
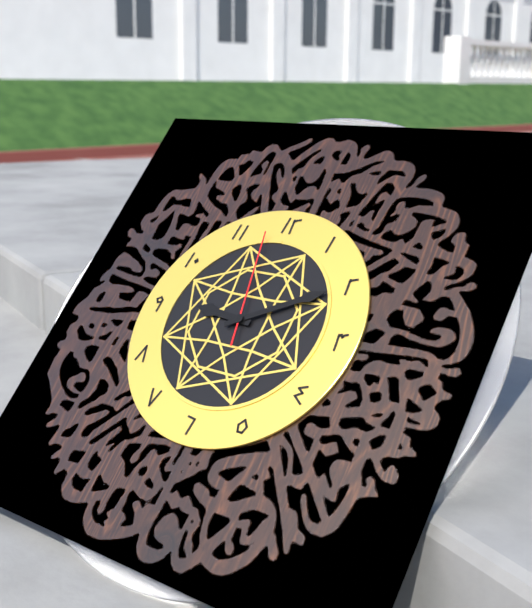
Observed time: 9:10:58
